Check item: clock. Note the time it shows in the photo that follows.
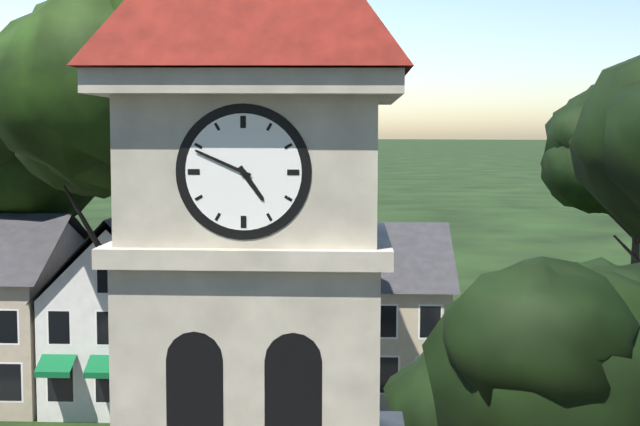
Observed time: 4:49
